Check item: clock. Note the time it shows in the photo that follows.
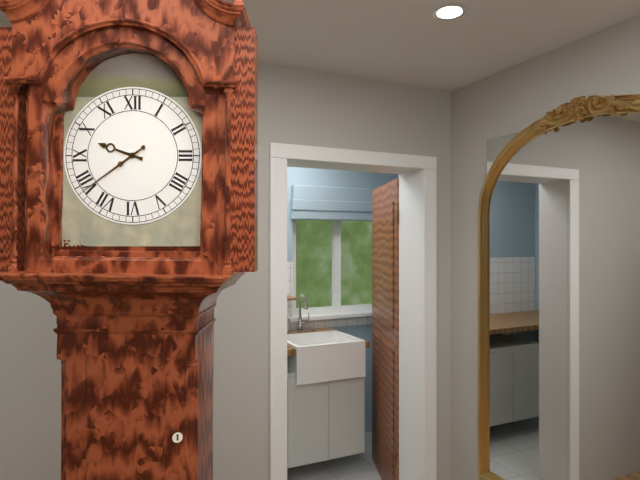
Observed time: 9:39
